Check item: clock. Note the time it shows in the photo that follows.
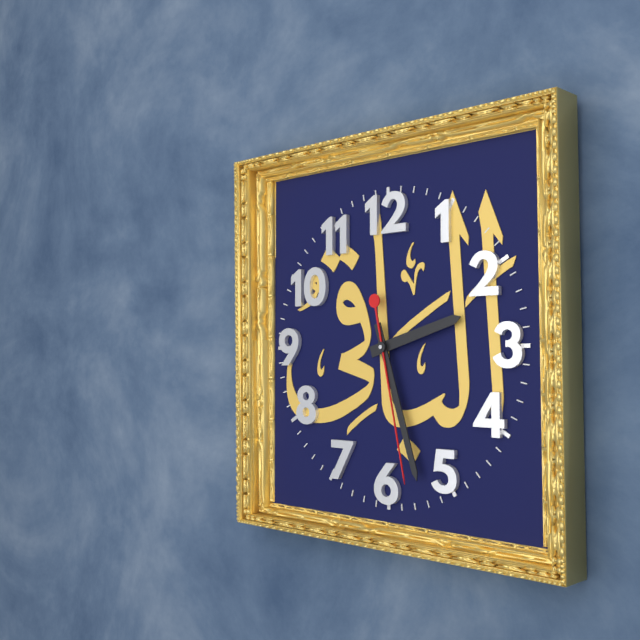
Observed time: 2:27:28
